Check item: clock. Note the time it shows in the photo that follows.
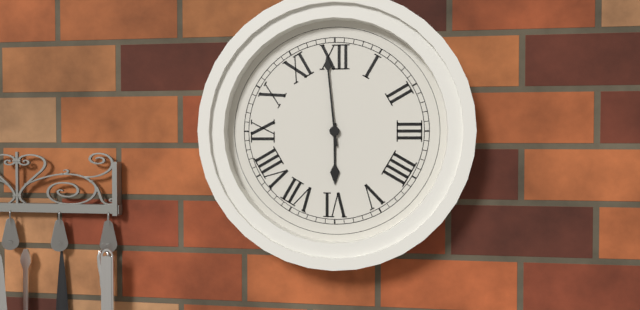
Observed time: 5:59
